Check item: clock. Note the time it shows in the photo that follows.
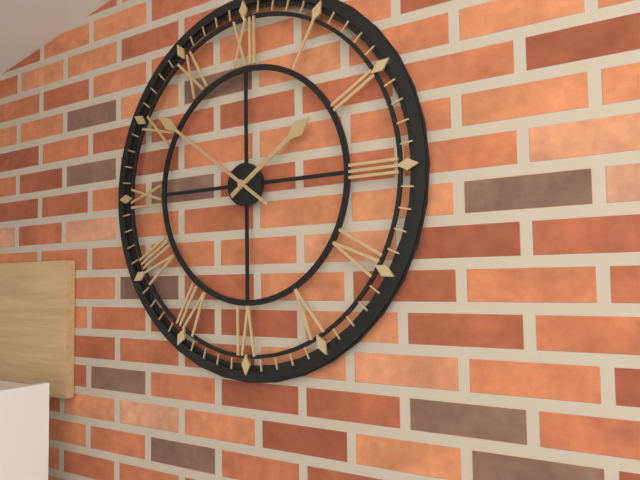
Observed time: 1:51
